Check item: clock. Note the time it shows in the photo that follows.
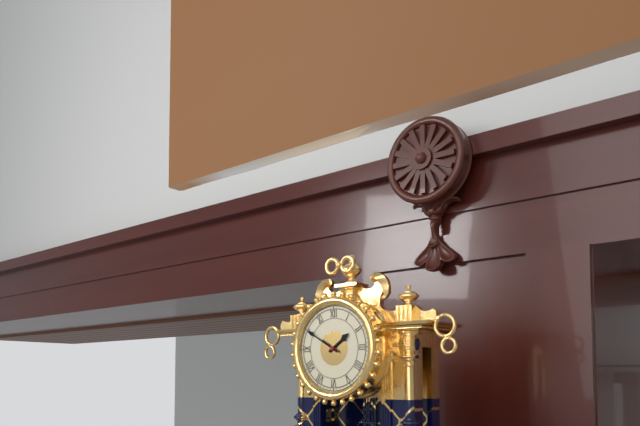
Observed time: 1:50
